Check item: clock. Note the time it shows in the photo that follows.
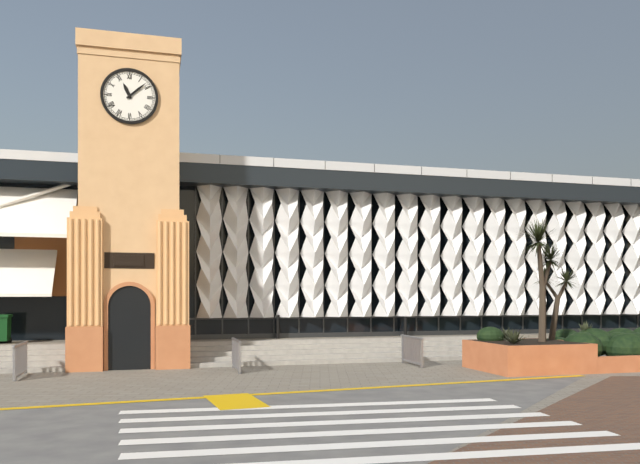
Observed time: 11:08
